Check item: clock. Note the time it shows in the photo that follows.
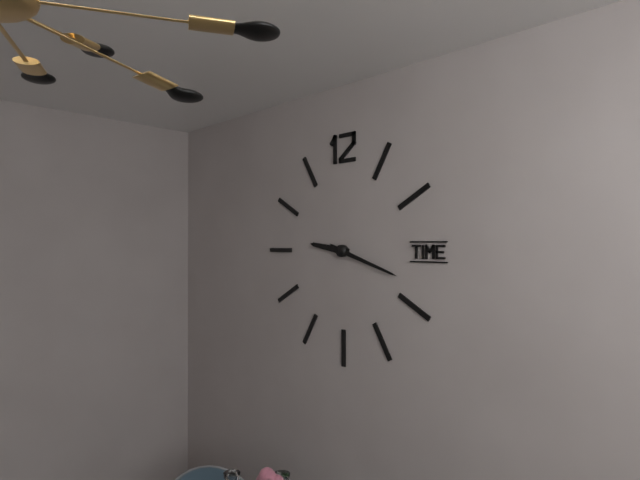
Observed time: 9:18
